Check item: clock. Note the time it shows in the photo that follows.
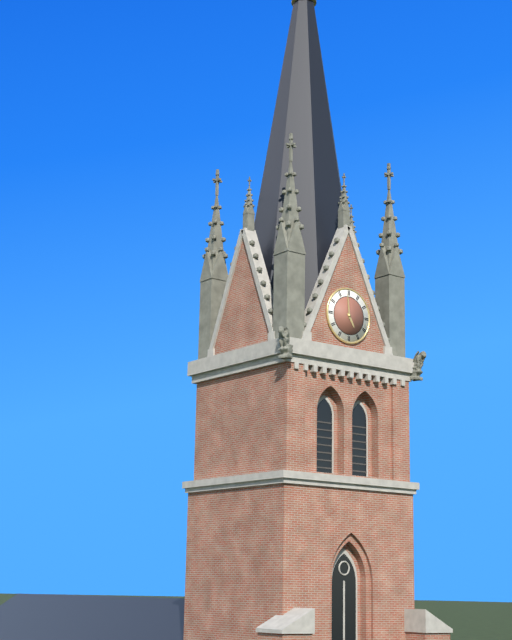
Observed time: 4:59
